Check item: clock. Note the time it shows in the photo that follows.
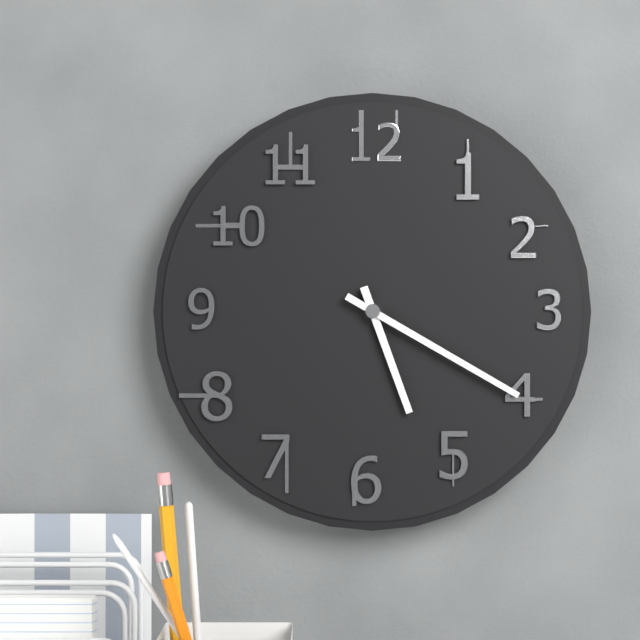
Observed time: 5:20
